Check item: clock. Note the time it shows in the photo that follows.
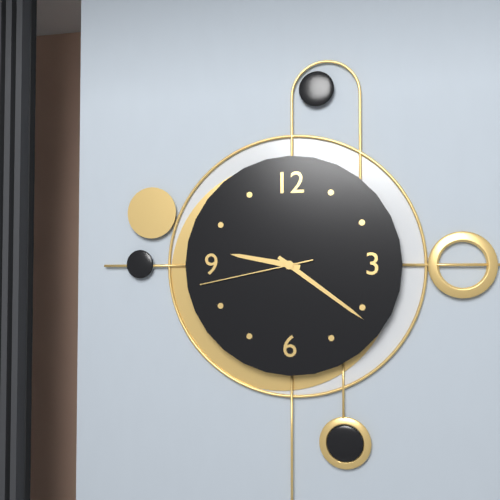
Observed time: 9:21:43
